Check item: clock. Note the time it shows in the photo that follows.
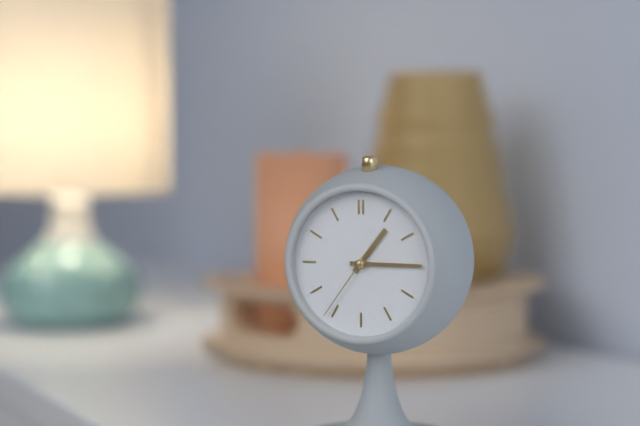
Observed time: 1:15:36
